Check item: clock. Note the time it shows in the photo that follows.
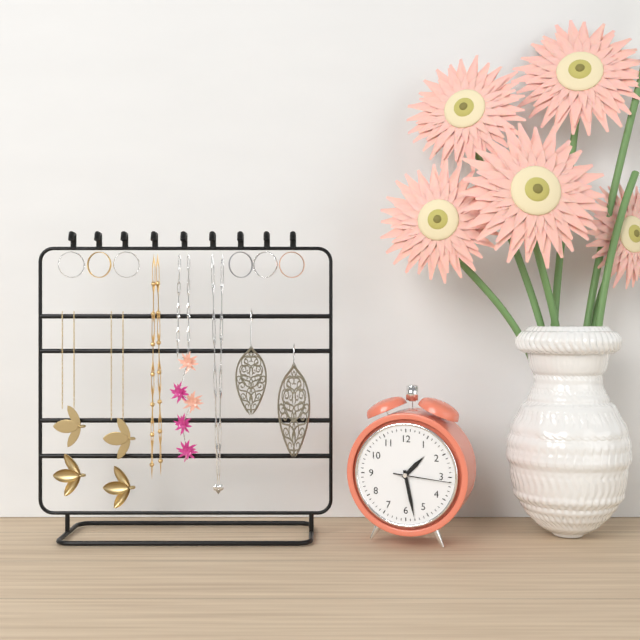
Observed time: 1:28:16
